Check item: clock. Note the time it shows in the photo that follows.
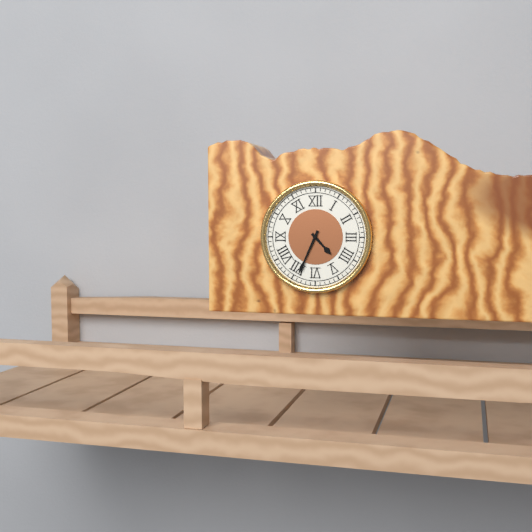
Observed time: 4:34
